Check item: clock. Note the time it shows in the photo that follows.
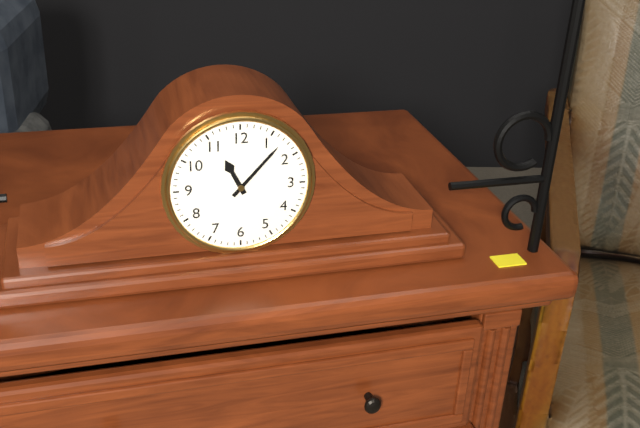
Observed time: 11:07
